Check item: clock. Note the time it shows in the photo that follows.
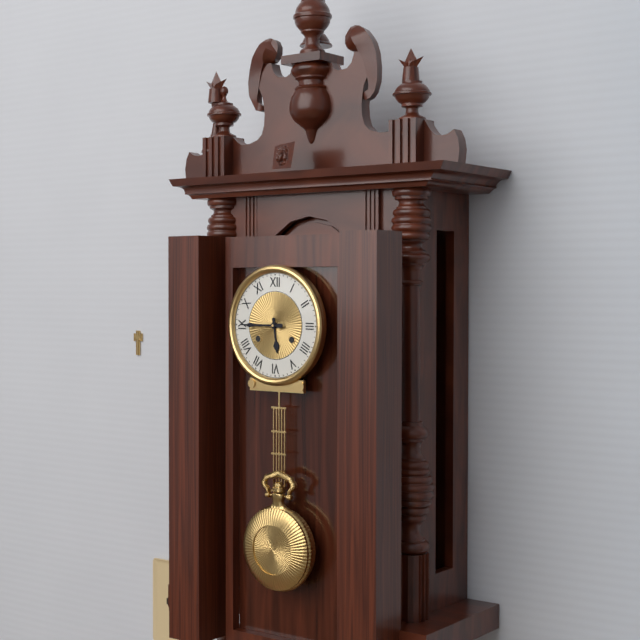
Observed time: 5:45
